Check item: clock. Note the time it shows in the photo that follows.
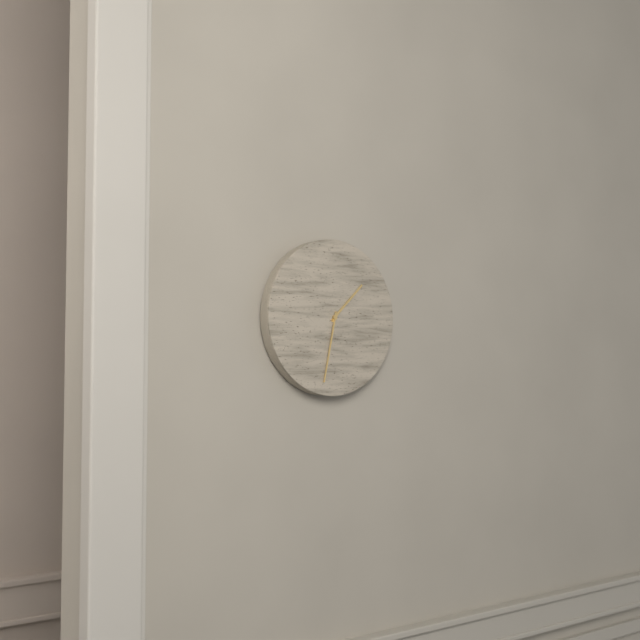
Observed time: 1:32
